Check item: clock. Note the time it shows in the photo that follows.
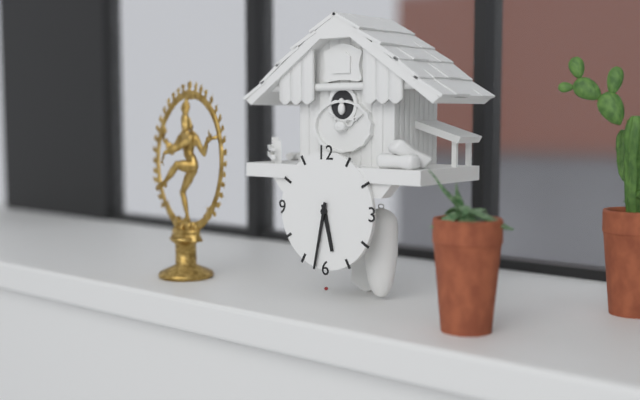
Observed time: 5:32
